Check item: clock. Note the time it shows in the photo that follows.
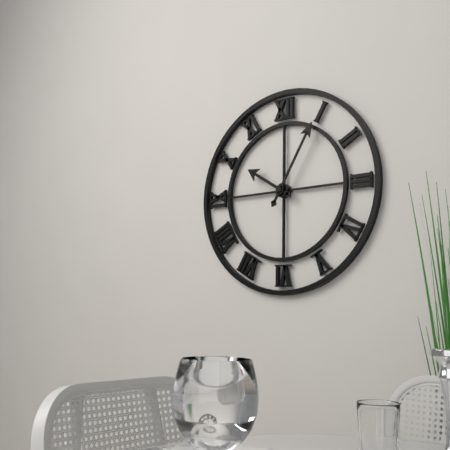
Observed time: 10:05
